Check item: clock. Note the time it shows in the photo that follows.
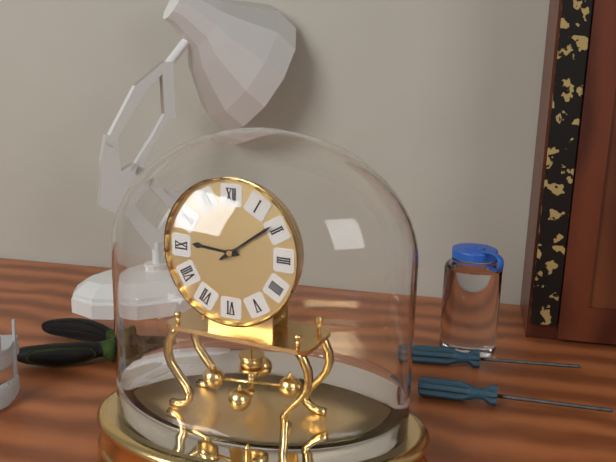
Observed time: 9:09
